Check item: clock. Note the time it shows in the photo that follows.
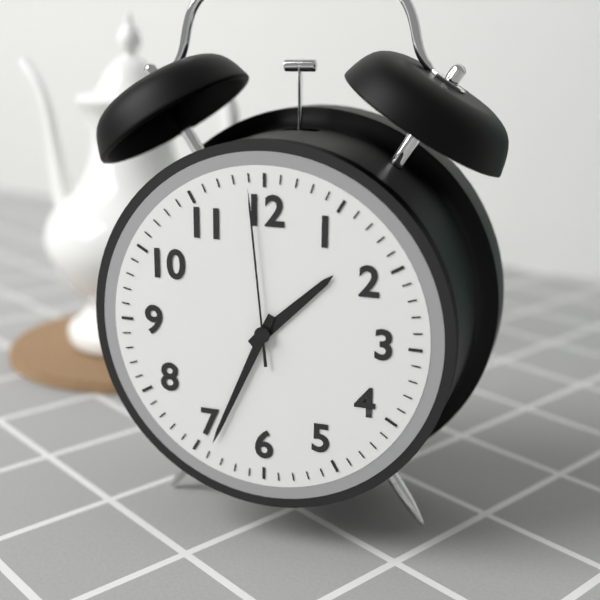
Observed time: 1:34:59
